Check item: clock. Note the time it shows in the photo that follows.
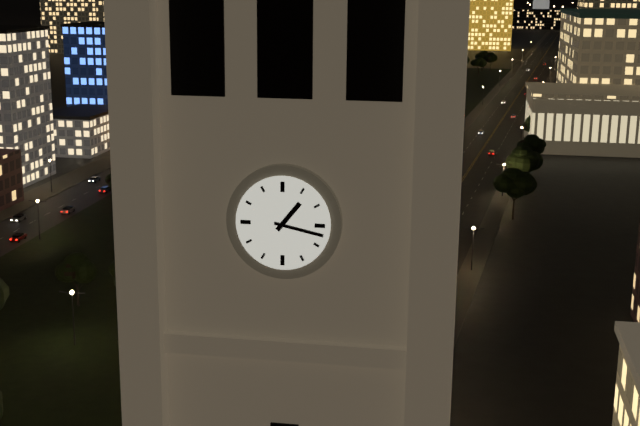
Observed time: 1:17
